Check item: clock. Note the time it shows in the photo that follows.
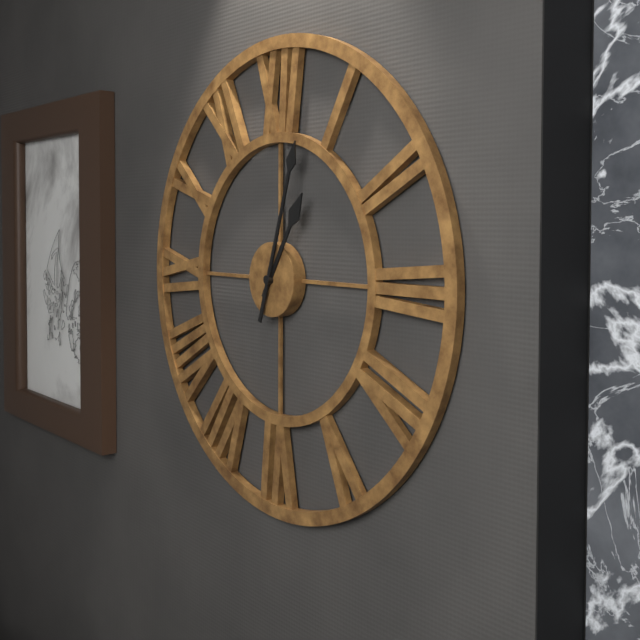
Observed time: 1:03
